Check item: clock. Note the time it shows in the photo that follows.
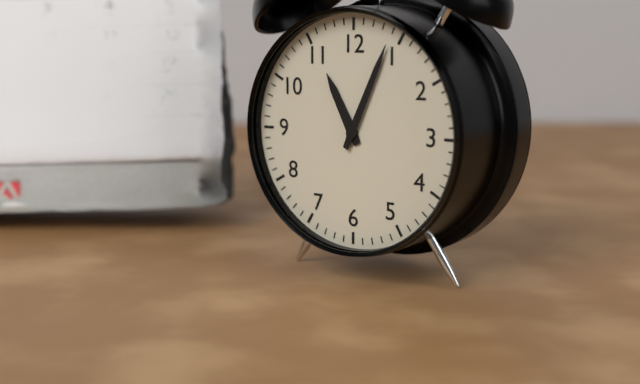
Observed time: 11:04
